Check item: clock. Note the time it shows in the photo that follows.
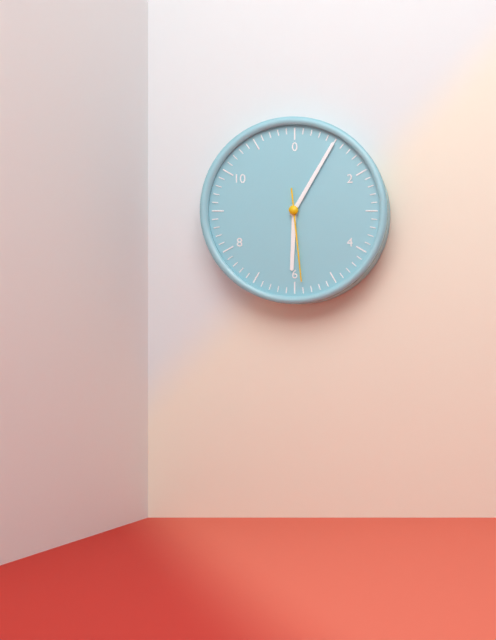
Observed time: 6:05:29
